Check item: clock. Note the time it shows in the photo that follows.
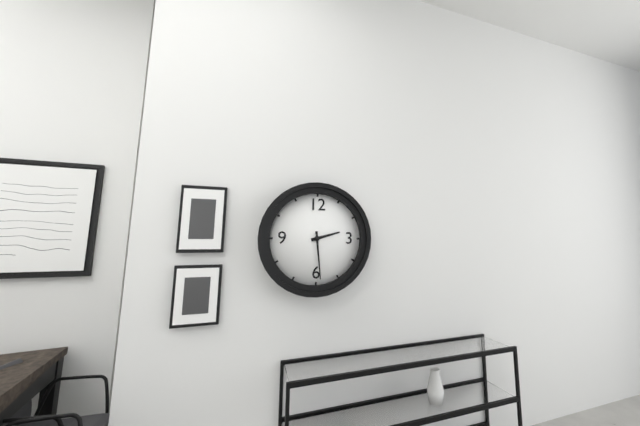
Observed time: 2:29
